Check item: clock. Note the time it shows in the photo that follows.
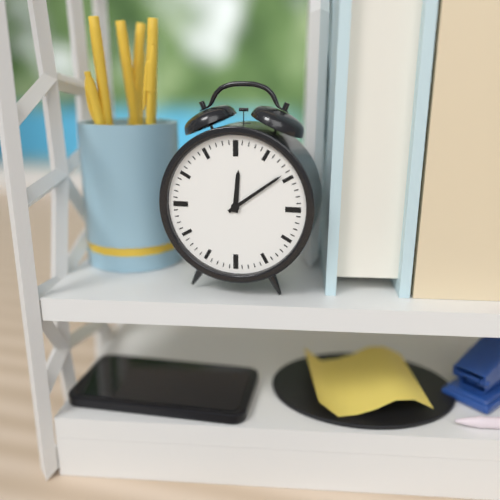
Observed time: 12:09
